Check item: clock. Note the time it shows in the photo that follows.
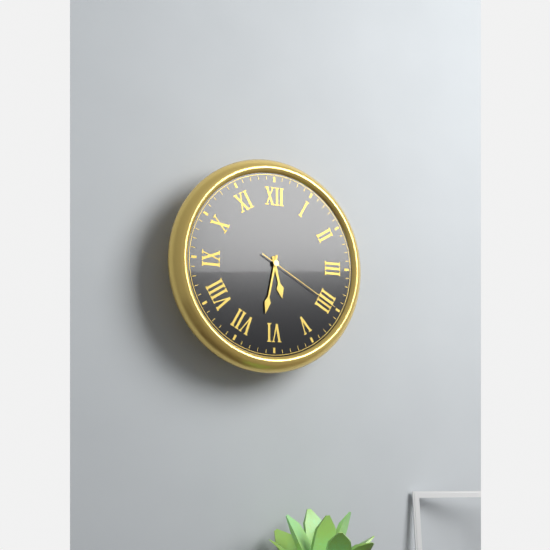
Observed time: 5:32:20
